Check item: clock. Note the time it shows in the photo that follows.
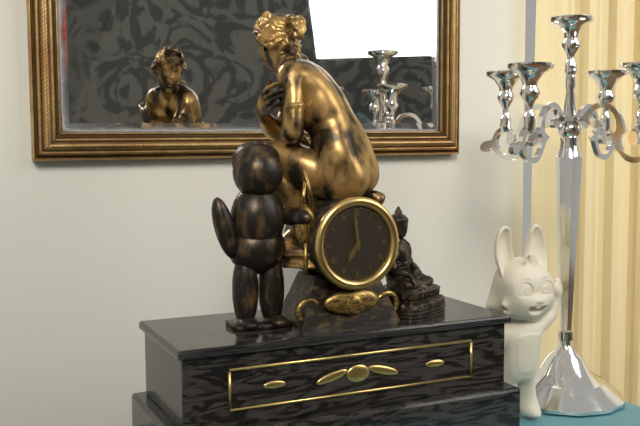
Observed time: 6:59
